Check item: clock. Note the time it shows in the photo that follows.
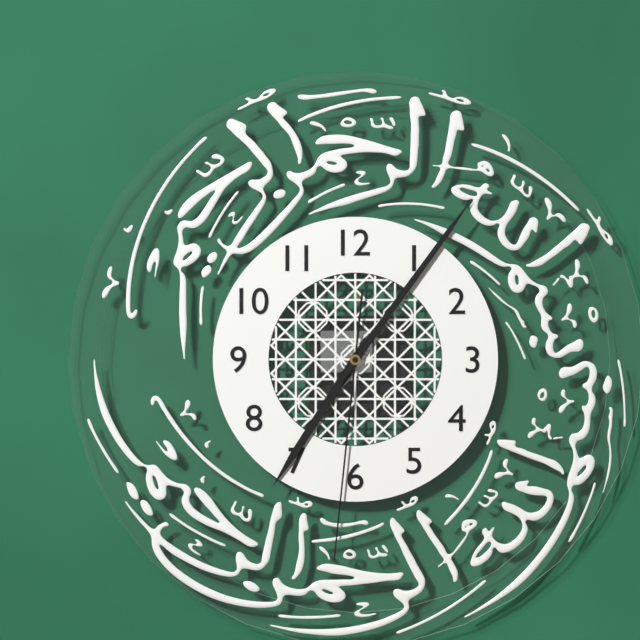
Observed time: 7:06:31
